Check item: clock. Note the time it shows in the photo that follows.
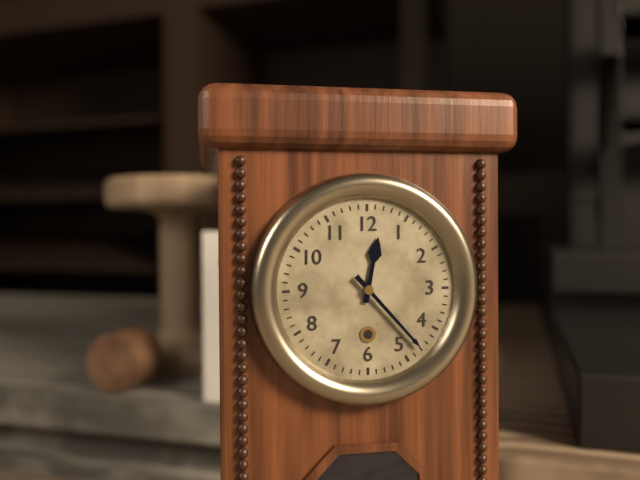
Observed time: 12:23
